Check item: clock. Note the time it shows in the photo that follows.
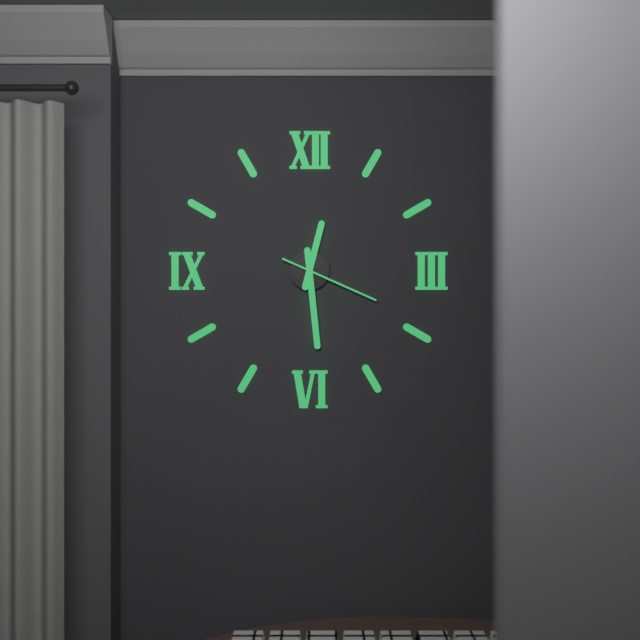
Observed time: 12:29:19
